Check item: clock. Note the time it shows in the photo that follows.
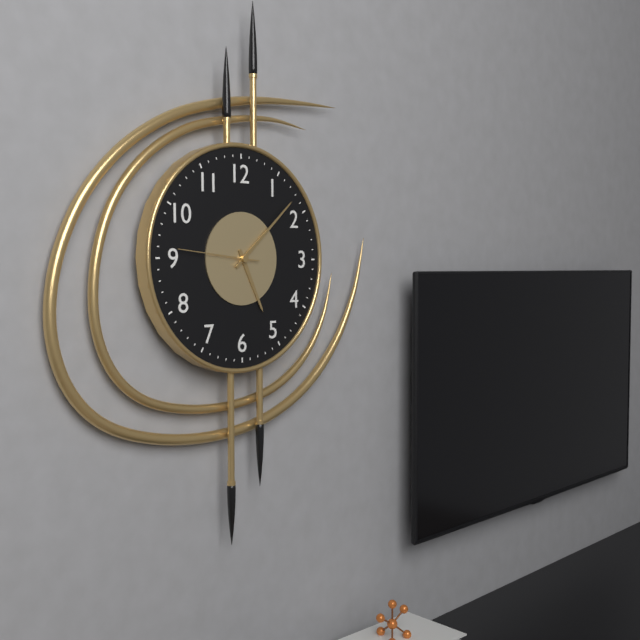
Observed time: 5:08:46
